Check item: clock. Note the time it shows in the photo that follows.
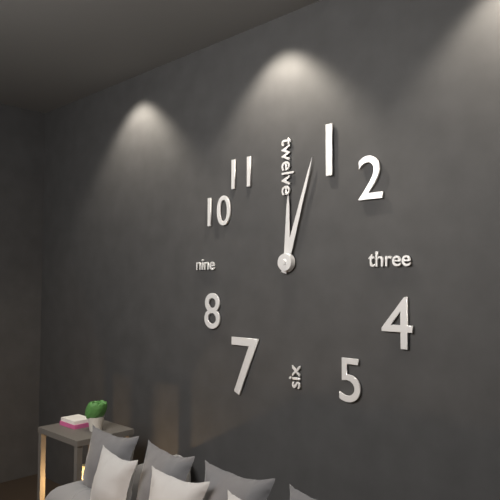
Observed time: 12:03
